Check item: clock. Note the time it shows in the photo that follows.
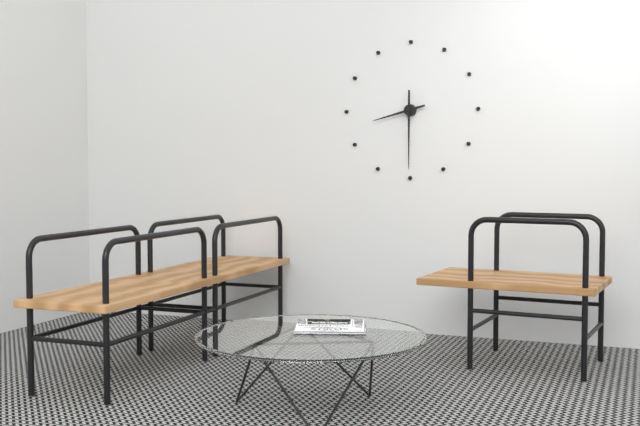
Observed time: 8:30
